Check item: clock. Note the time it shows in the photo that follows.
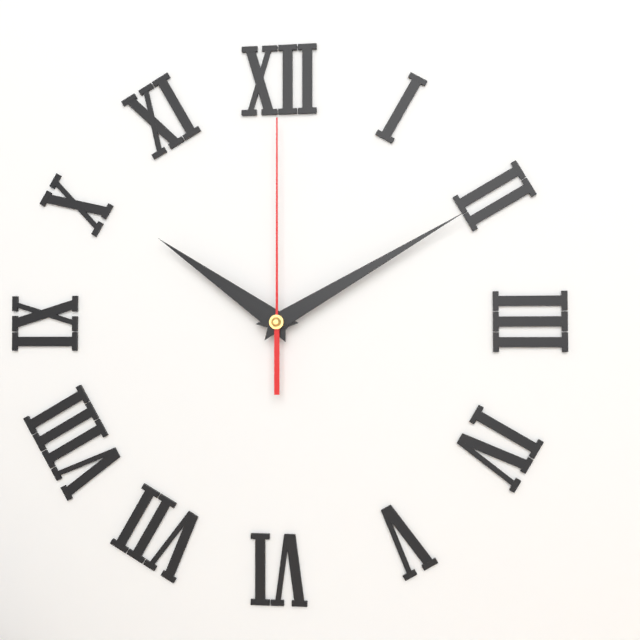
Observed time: 10:10:00
